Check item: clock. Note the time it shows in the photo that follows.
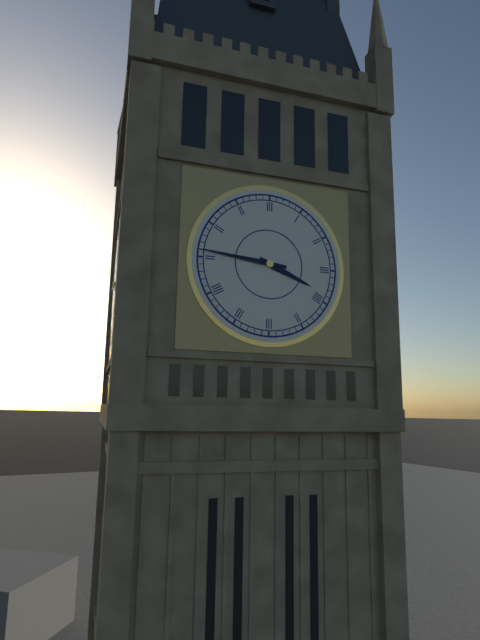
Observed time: 3:46
